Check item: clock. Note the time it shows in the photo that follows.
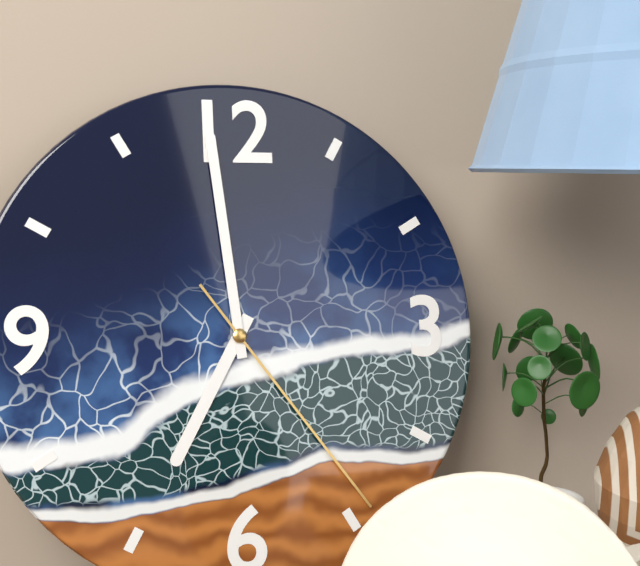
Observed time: 6:59:24
